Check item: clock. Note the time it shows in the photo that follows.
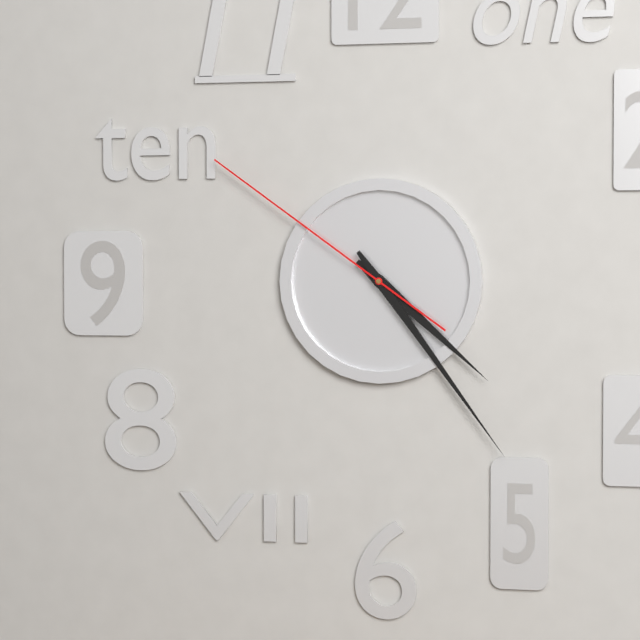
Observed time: 4:24:51
